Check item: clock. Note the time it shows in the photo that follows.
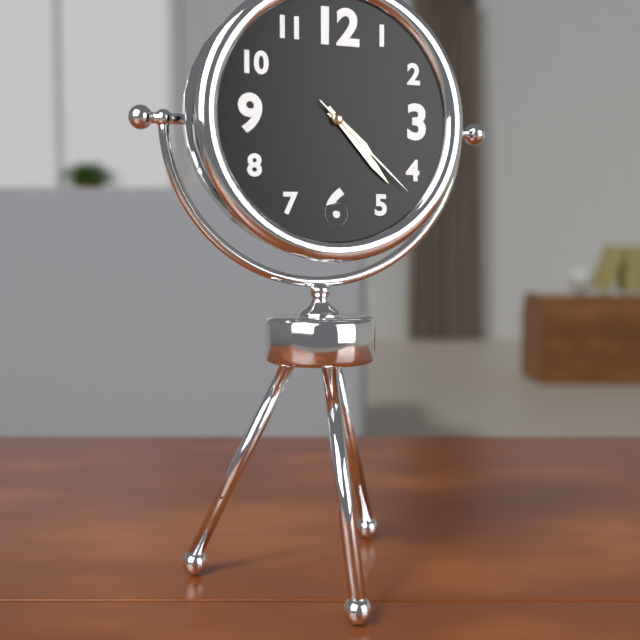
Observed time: 4:23:22
